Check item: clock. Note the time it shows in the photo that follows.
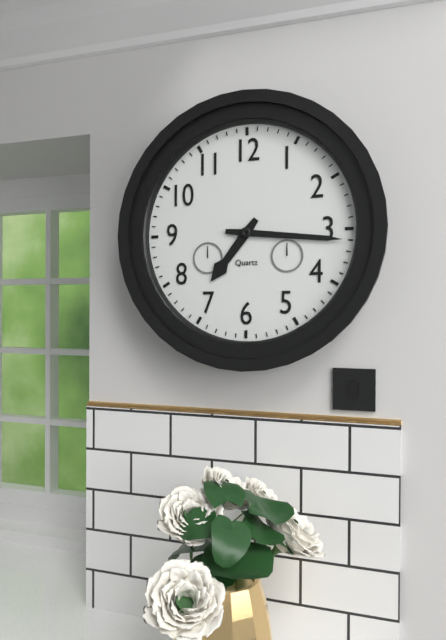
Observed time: 7:16
